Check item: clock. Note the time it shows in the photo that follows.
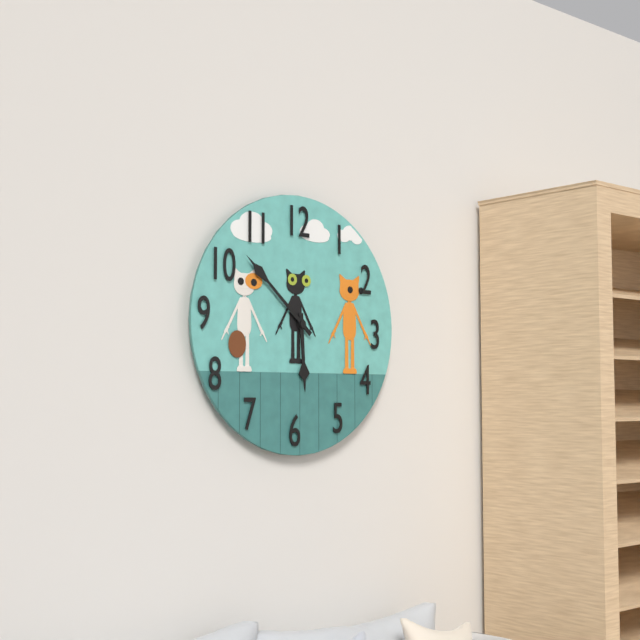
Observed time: 5:52
